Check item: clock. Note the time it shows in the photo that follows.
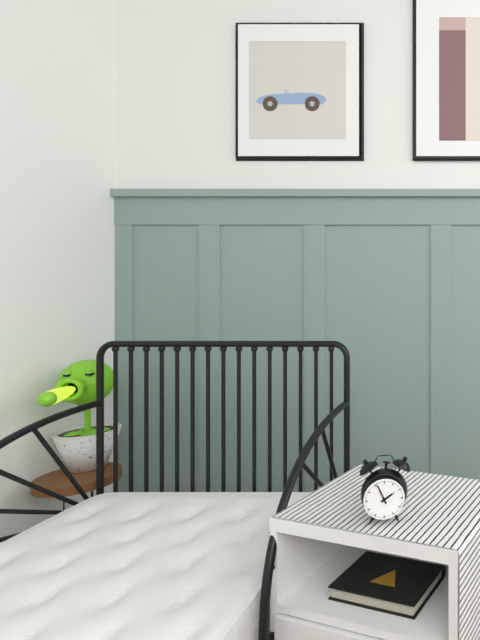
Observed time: 1:56
